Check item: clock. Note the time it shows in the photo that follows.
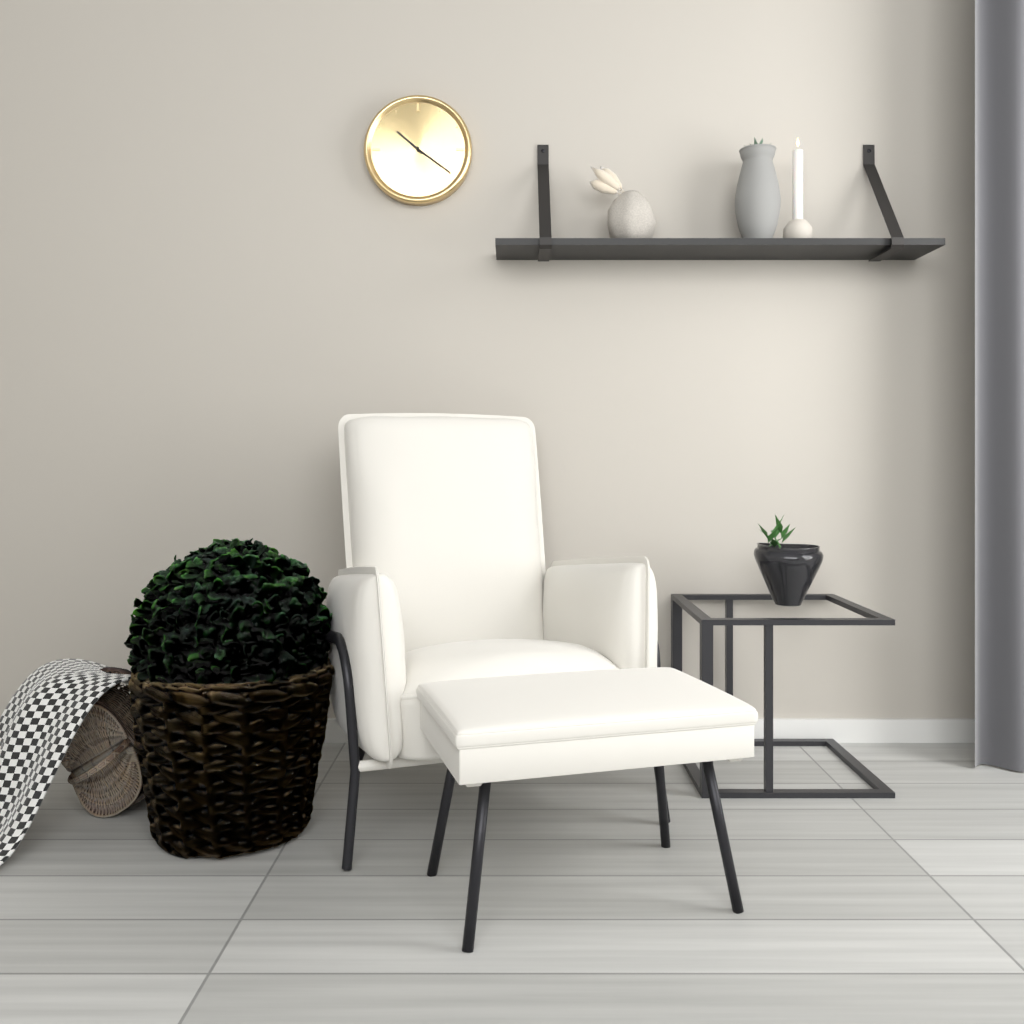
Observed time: 10:21
